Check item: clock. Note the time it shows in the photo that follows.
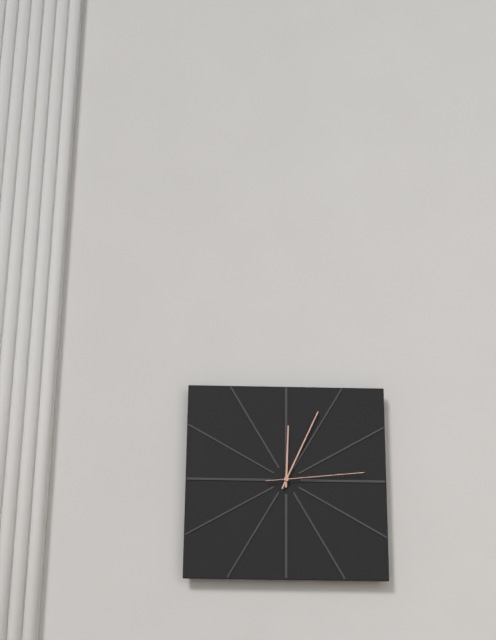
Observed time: 12:04:14
